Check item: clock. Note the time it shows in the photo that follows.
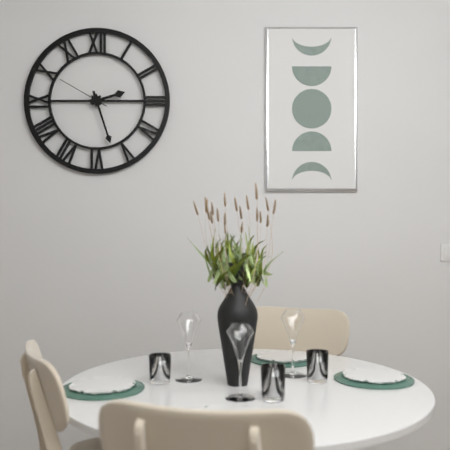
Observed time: 2:27:50
